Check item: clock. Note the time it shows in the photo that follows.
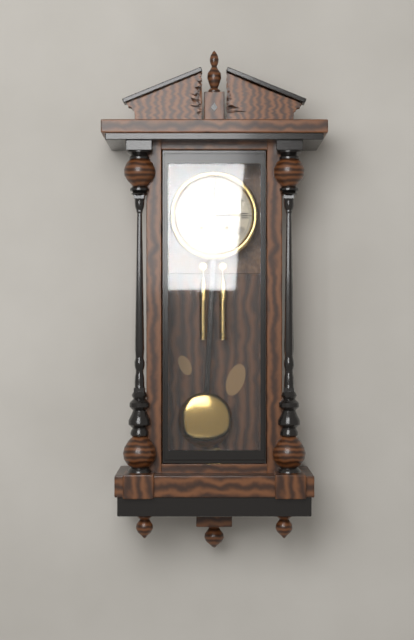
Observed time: 3:00
